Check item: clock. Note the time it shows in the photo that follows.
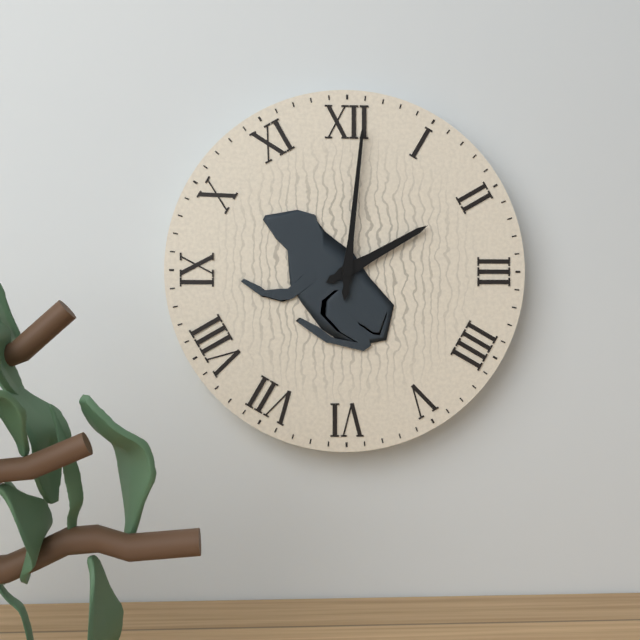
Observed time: 2:01
